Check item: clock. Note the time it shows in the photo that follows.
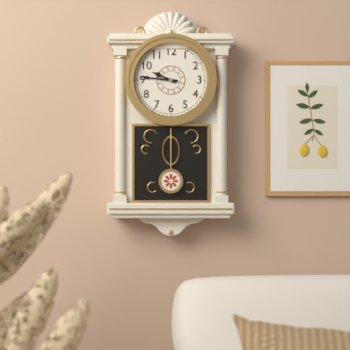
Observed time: 9:46
